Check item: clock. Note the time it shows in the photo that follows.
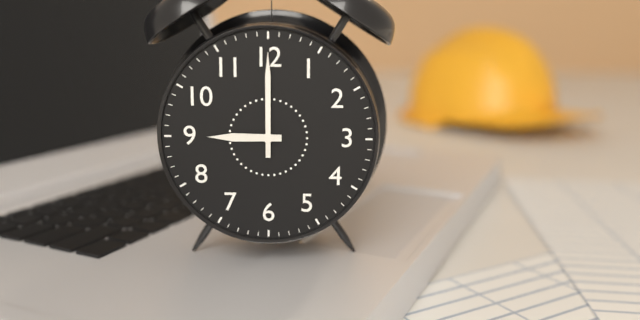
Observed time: 9:00
